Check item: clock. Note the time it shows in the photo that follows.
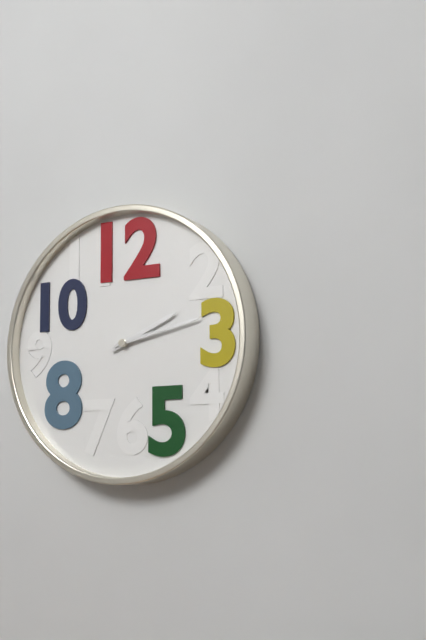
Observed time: 2:13
